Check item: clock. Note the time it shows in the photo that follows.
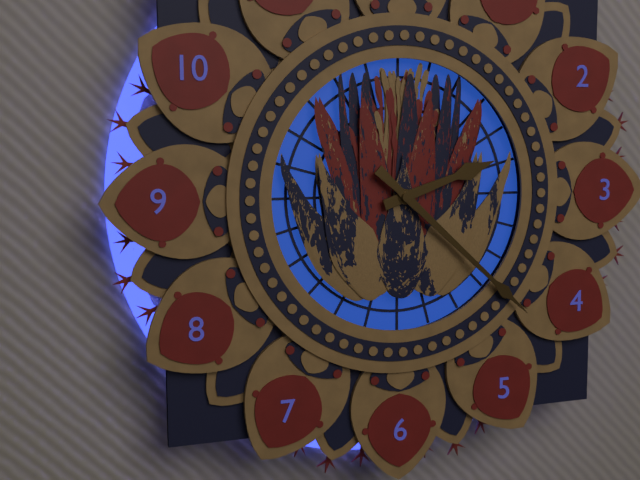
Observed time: 2:22
